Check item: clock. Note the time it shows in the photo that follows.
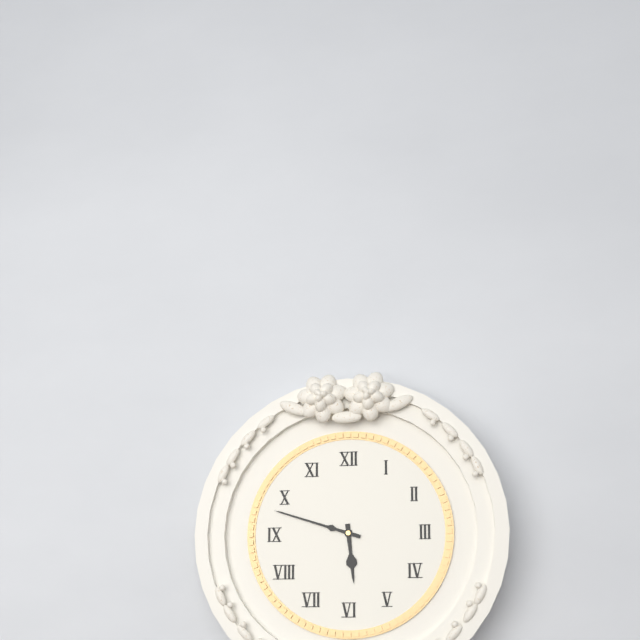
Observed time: 5:48
